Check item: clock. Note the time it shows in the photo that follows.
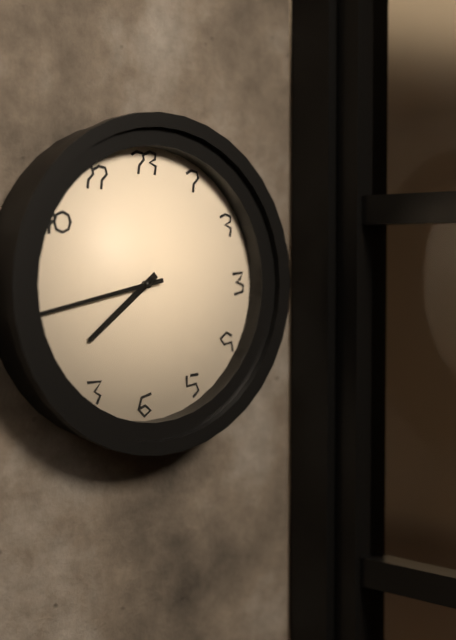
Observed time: 7:43
